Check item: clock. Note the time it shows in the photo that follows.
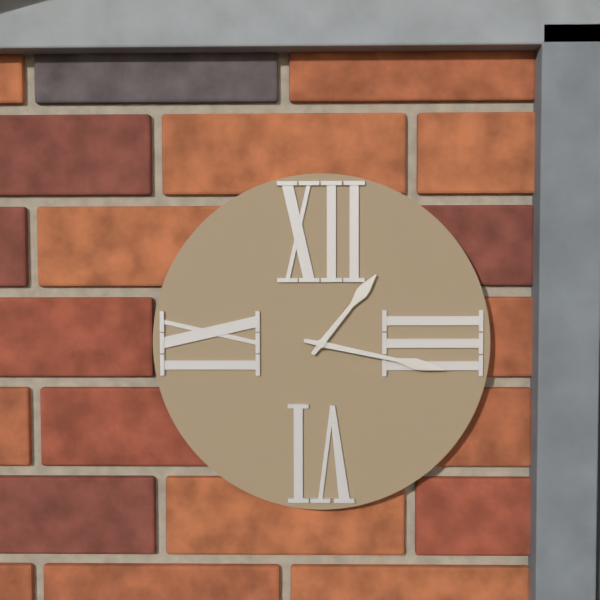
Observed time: 1:17
